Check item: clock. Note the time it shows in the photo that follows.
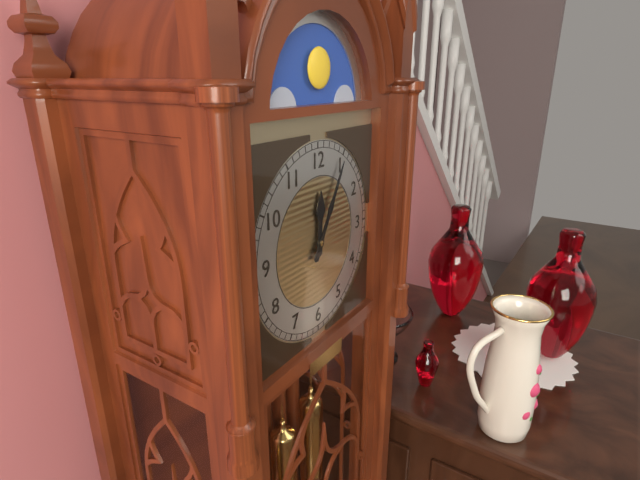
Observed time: 12:05
